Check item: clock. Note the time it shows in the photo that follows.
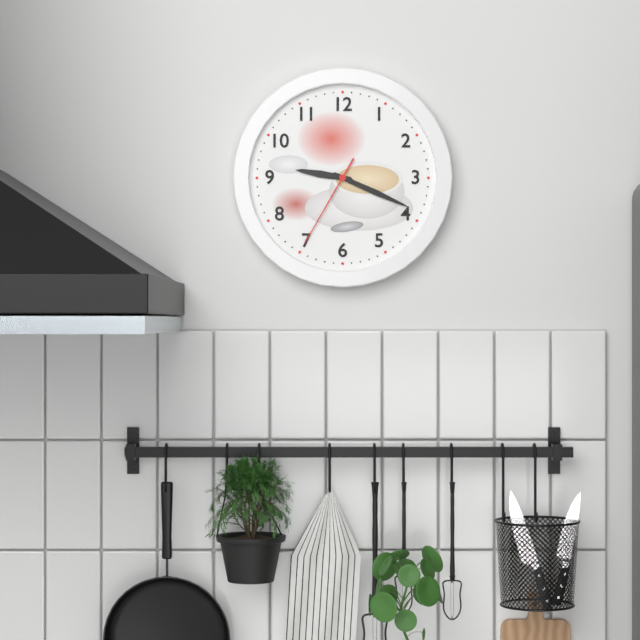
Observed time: 9:19:35
